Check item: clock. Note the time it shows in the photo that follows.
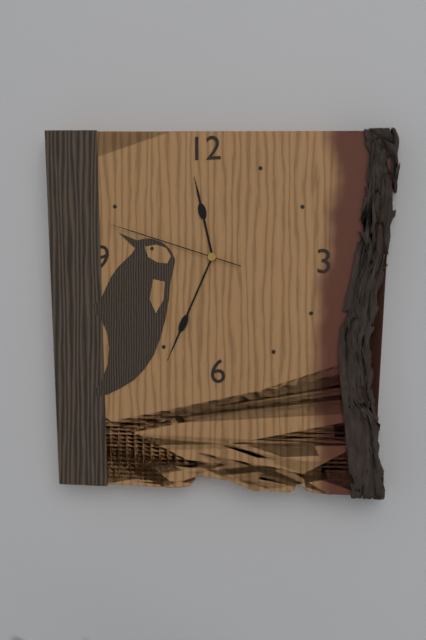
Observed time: 11:34:48
